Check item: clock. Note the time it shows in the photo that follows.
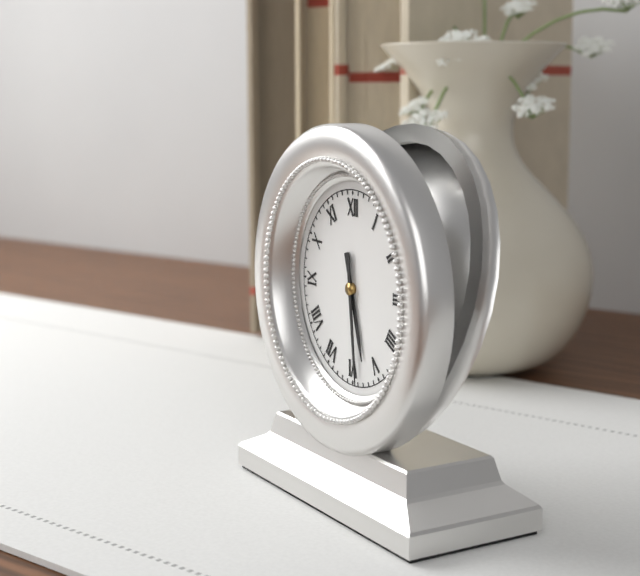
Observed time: 5:29
